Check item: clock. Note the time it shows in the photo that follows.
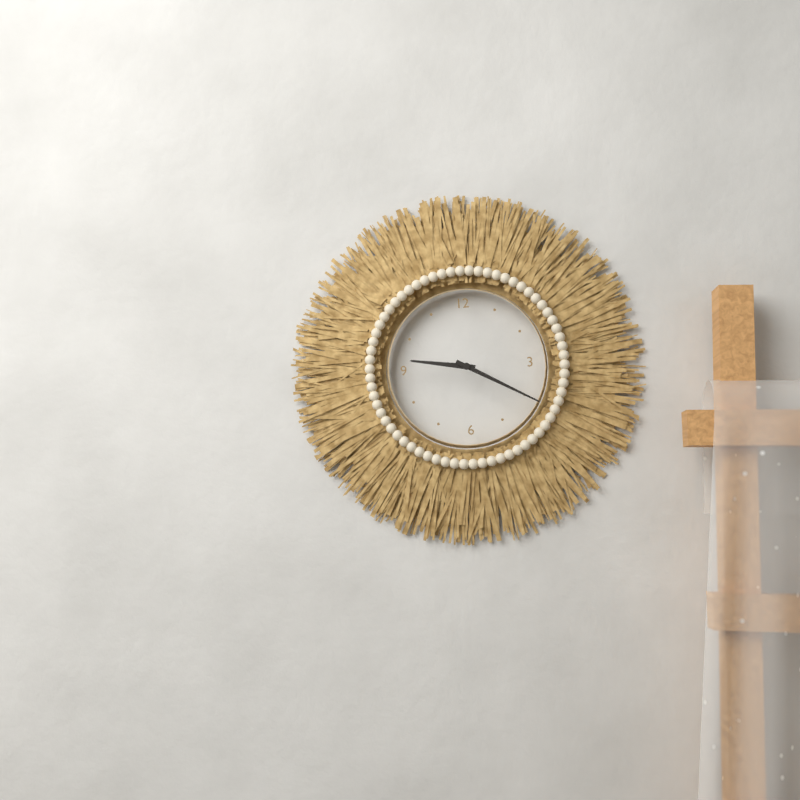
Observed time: 9:20
